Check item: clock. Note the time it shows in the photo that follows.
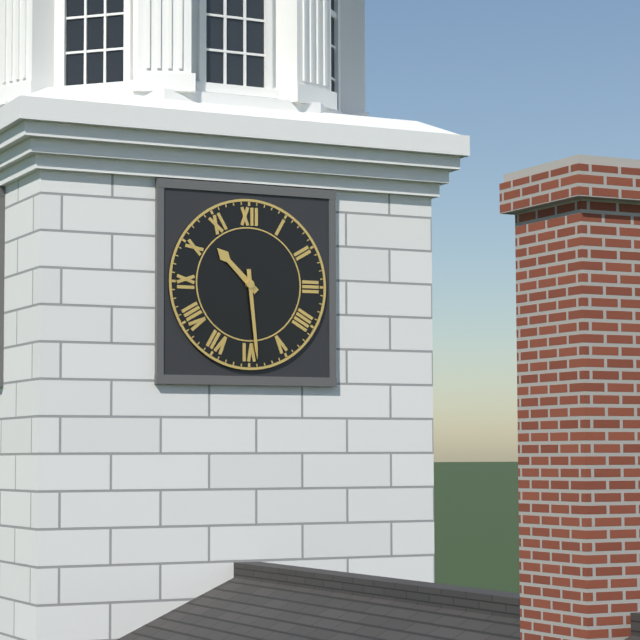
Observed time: 10:29
